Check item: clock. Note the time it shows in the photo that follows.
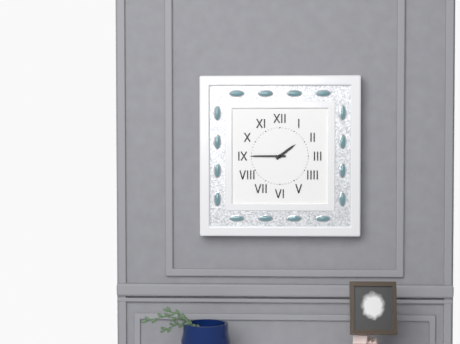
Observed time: 1:45
